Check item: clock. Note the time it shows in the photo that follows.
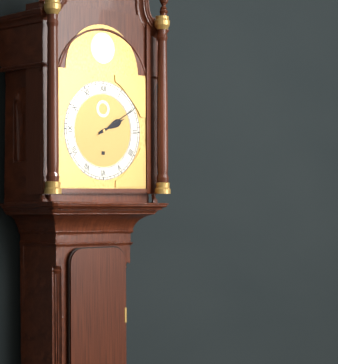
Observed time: 2:10
